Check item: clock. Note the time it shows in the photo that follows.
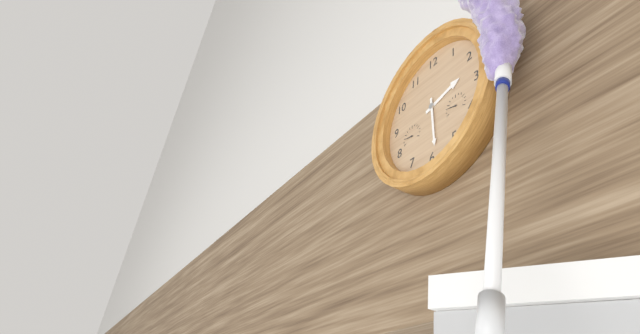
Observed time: 2:29
